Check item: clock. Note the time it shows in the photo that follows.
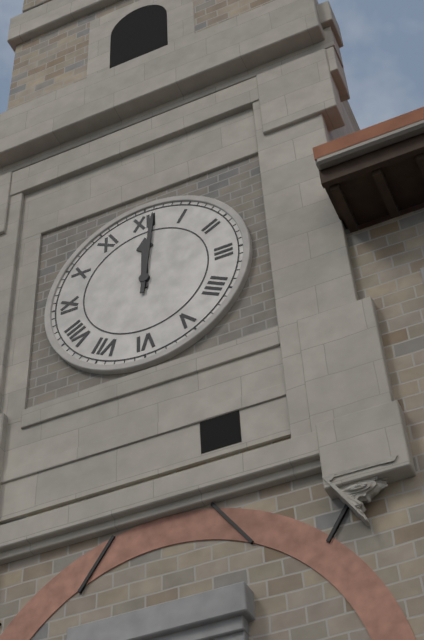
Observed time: 12:01
